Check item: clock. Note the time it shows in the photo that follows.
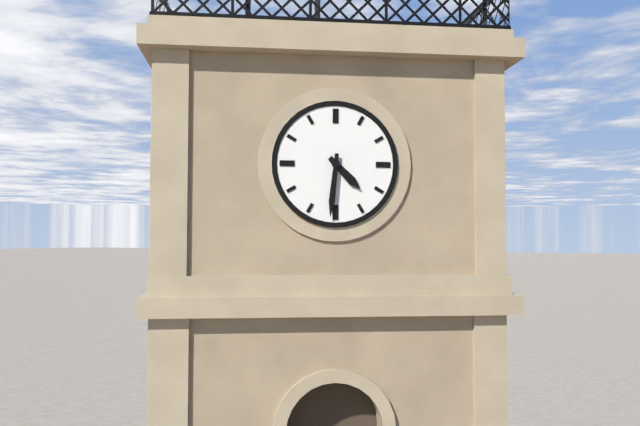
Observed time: 4:31
